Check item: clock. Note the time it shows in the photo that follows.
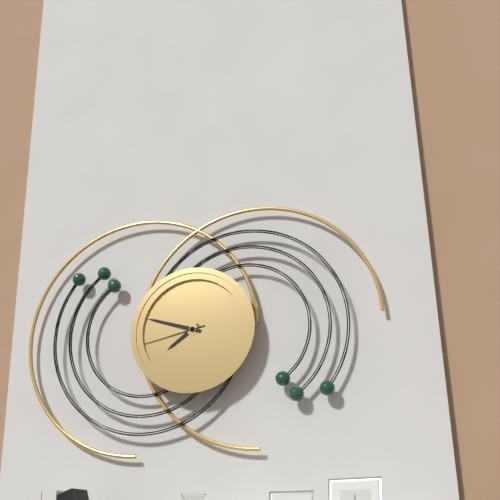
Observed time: 7:48:43
